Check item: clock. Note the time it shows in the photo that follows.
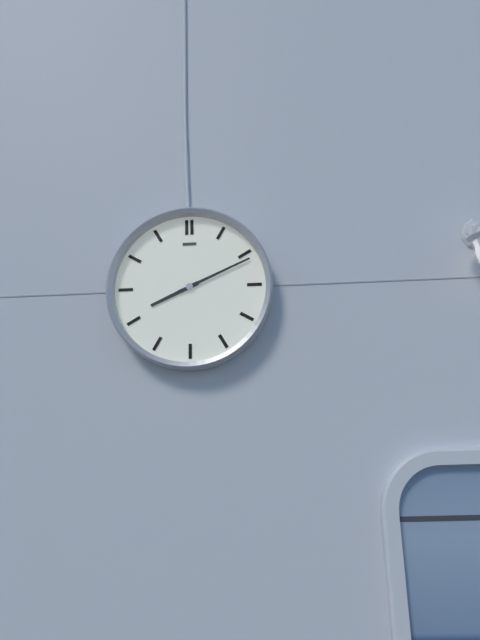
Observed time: 8:11
